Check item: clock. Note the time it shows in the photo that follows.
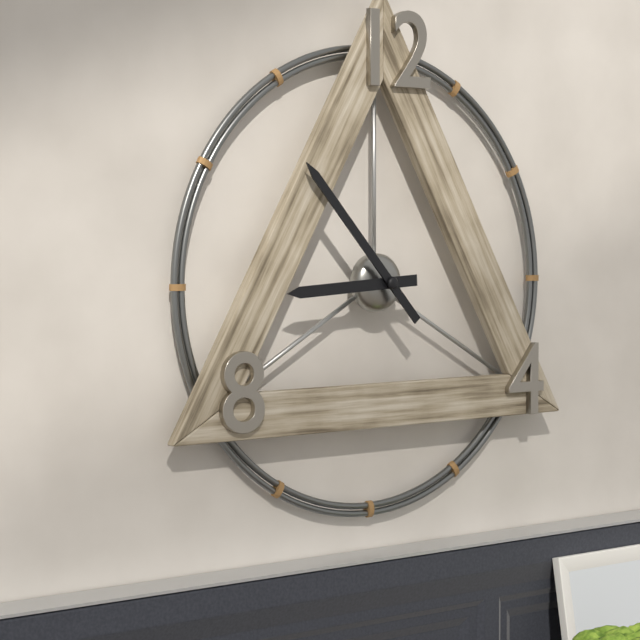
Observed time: 8:53
